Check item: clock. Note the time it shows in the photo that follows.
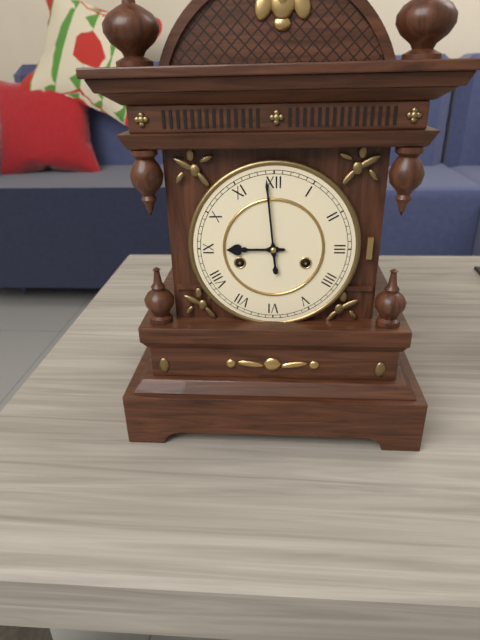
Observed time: 8:59
